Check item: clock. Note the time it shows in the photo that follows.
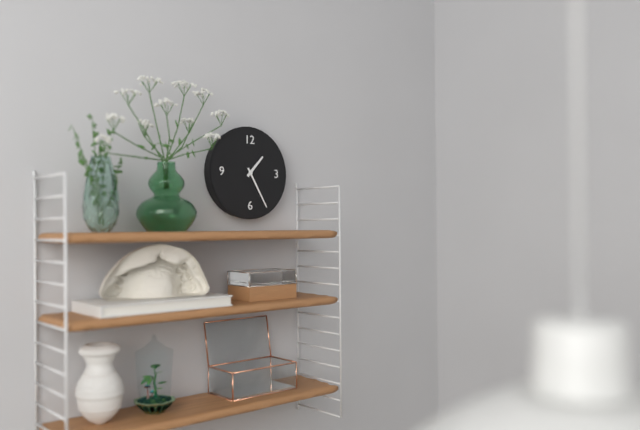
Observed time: 1:25
